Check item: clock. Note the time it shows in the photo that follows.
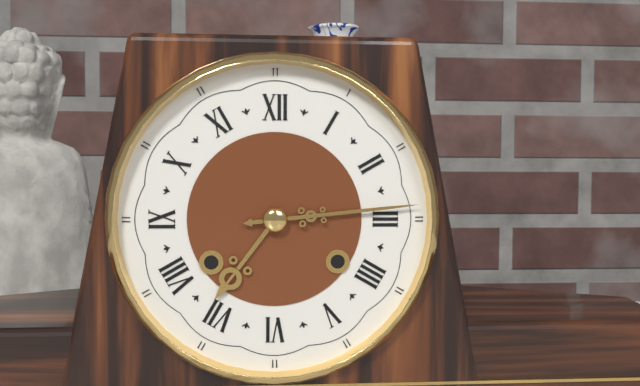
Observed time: 7:14
